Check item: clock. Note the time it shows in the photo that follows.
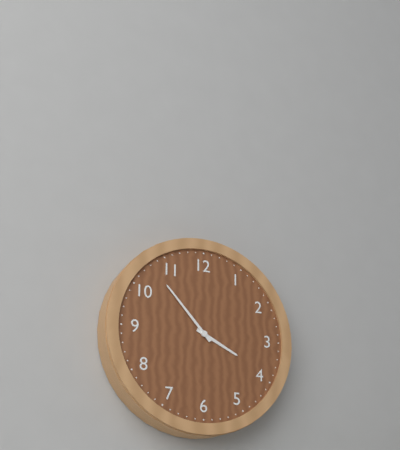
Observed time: 3:53
